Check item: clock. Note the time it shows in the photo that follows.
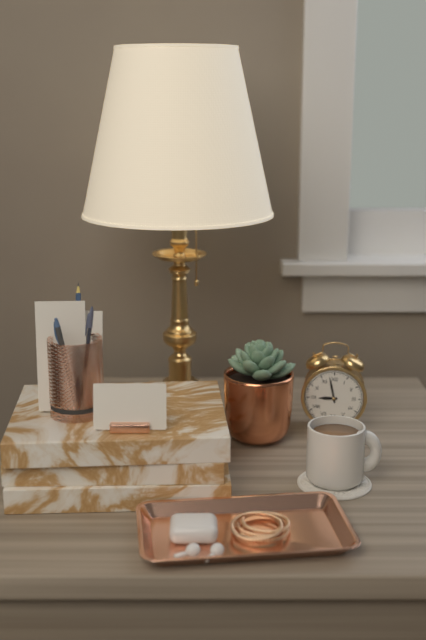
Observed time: 8:58
